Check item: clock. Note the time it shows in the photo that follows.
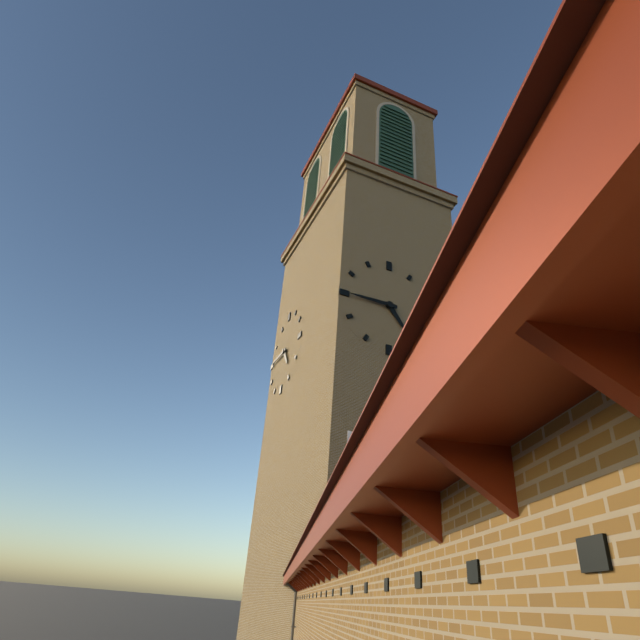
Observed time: 4:45
